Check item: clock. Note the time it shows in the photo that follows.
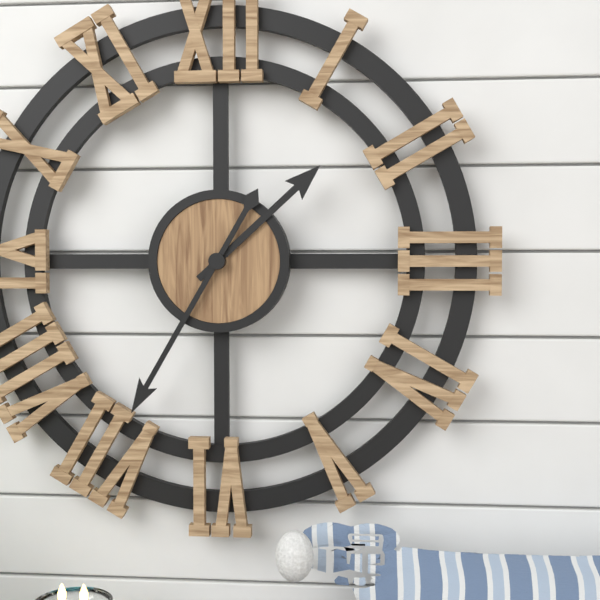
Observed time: 1:35
